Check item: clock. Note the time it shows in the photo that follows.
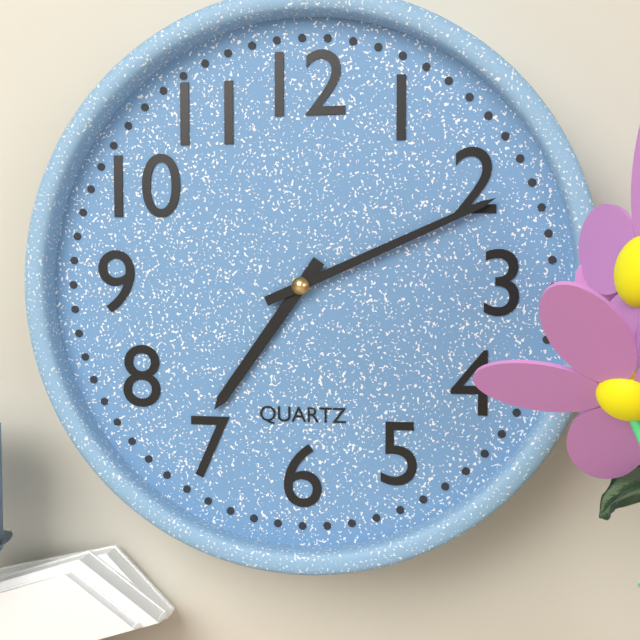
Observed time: 7:11
